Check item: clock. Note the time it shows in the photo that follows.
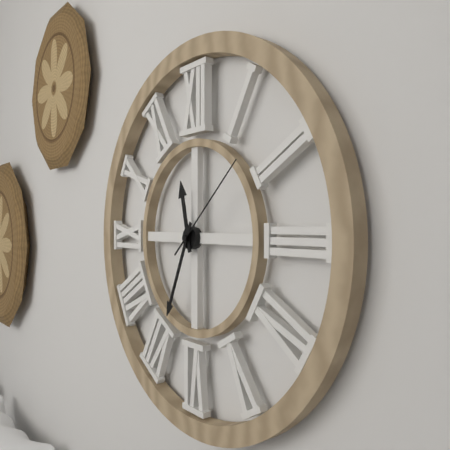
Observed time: 11:34:08
